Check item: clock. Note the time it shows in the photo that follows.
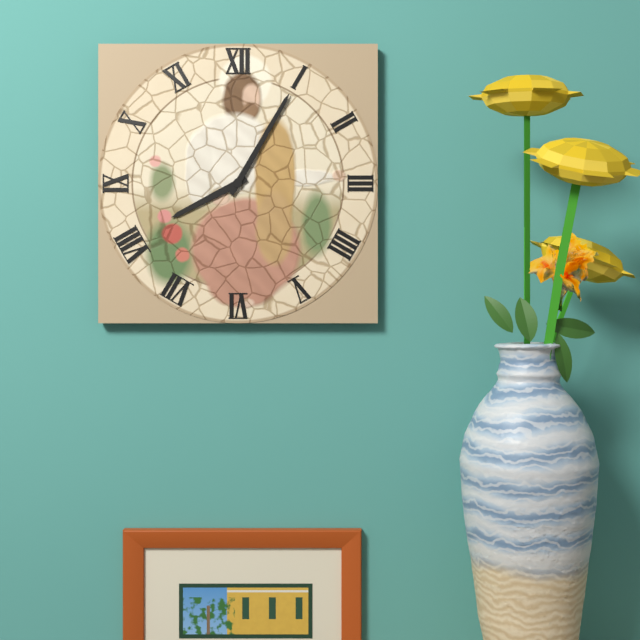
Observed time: 8:05
